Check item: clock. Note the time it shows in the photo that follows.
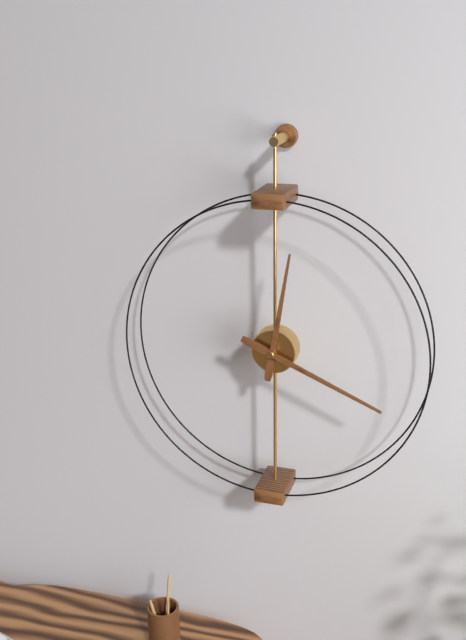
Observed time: 12:19
